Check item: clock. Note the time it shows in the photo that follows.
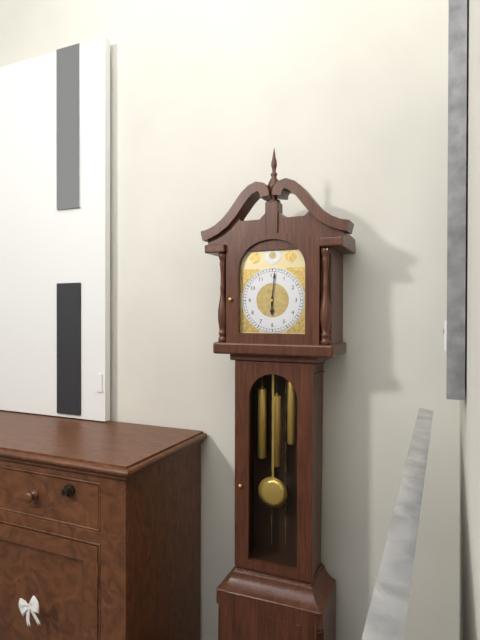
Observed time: 6:01
